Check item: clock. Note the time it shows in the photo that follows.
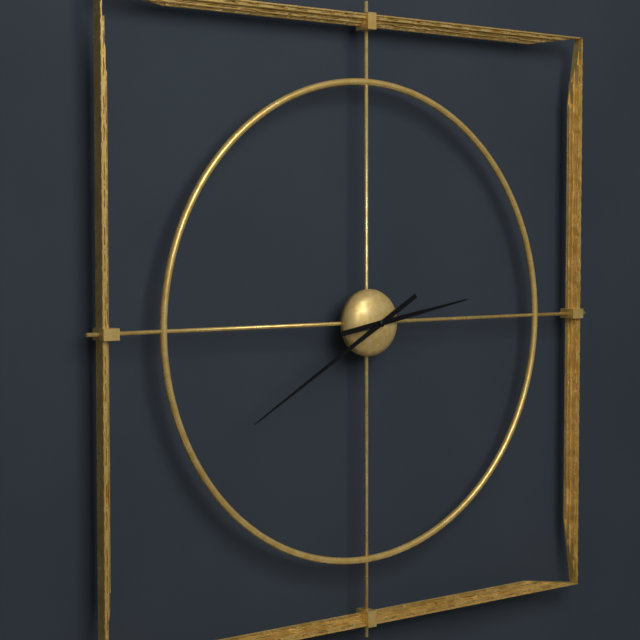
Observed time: 2:40
